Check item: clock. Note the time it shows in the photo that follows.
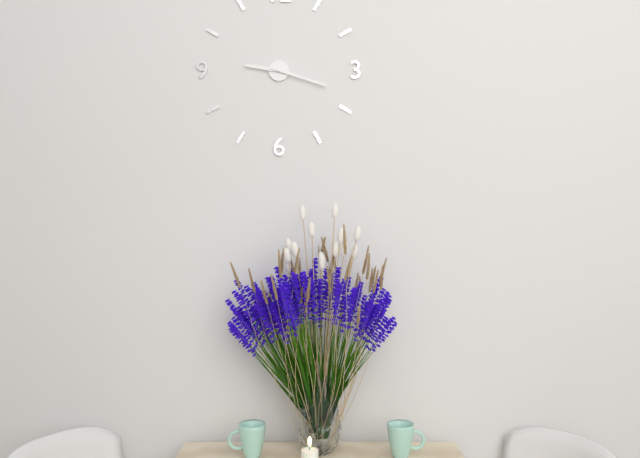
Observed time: 9:18
